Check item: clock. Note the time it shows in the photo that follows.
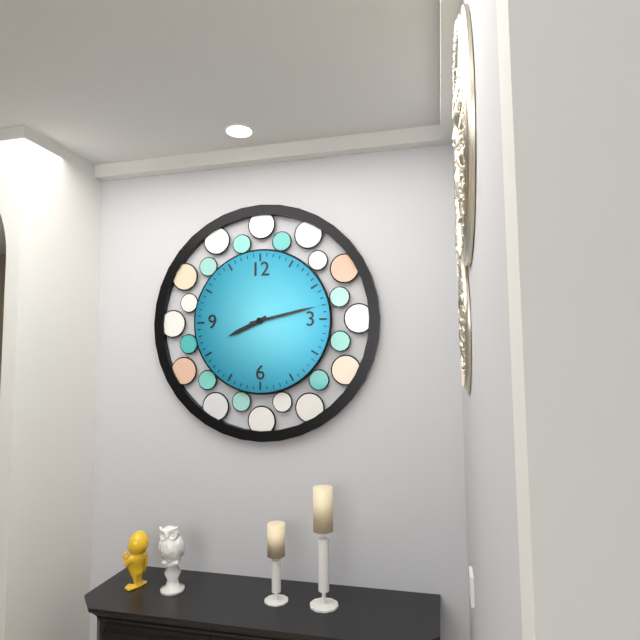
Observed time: 8:13
